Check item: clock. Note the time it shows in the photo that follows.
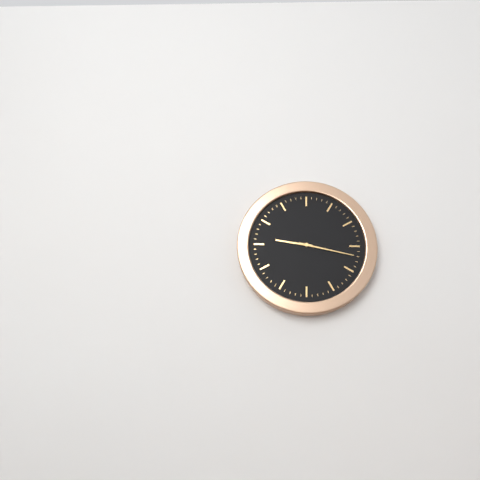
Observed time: 9:17
